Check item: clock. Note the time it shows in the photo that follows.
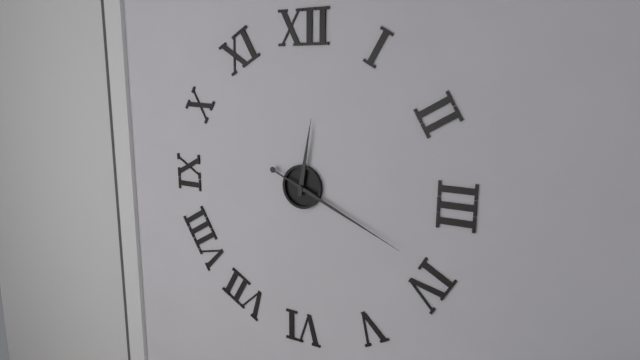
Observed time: 12:19
